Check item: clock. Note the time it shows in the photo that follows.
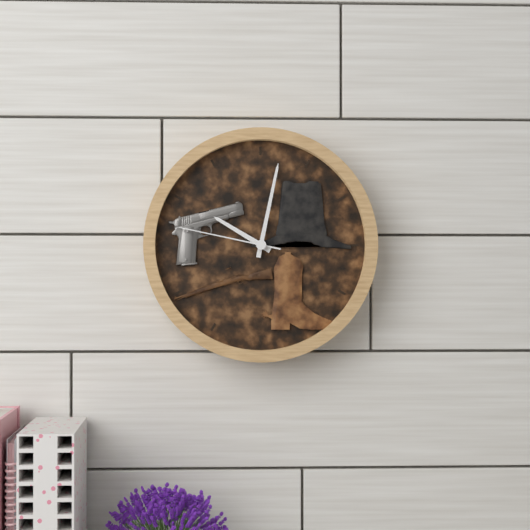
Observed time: 10:02:47
